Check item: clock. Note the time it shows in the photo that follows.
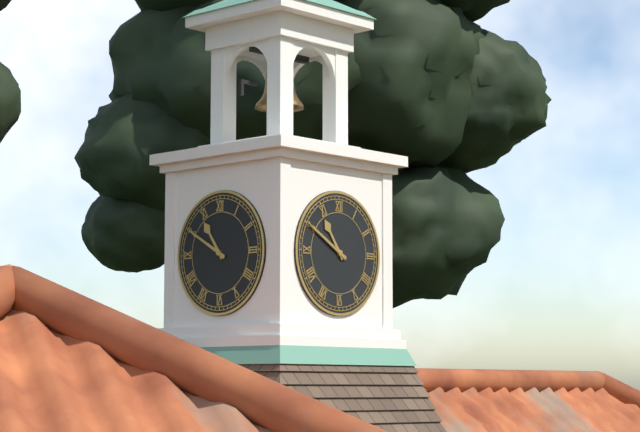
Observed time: 10:50
